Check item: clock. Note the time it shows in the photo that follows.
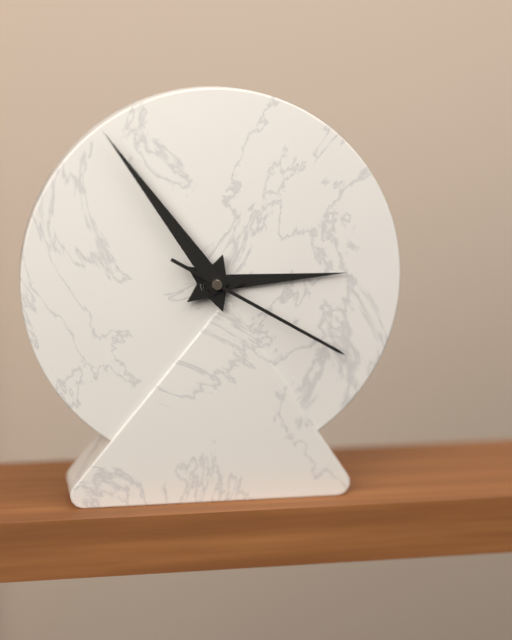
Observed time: 2:54:20
